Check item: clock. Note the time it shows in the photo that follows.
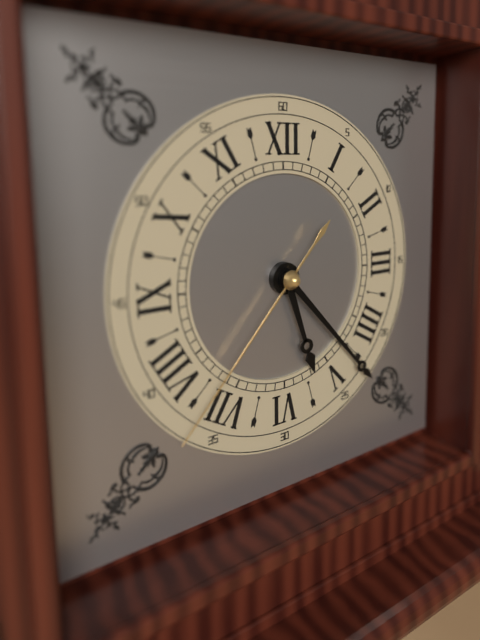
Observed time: 5:23:37
